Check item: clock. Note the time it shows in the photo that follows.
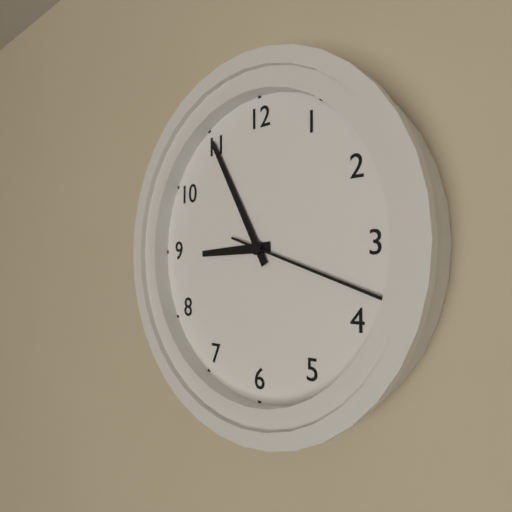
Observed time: 8:55:18
